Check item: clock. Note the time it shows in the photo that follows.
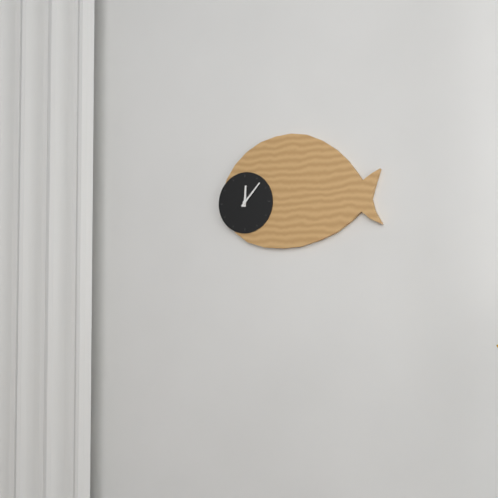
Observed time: 12:07
